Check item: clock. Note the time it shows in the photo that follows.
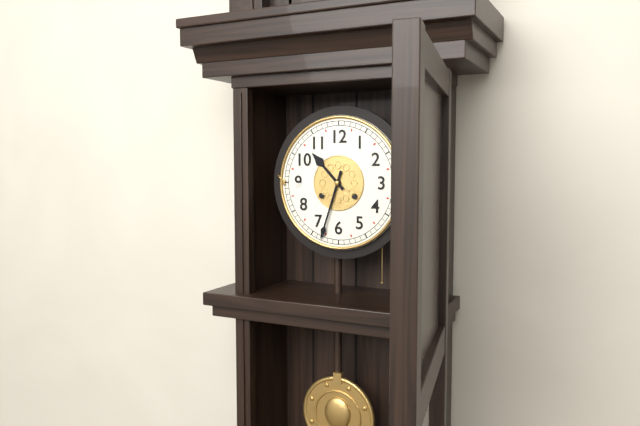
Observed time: 10:33
